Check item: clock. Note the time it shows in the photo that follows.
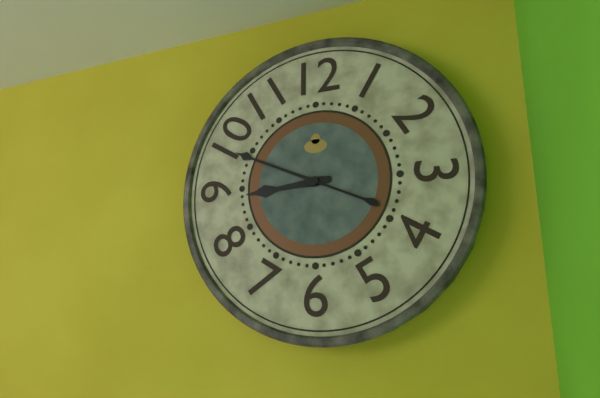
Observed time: 8:49
